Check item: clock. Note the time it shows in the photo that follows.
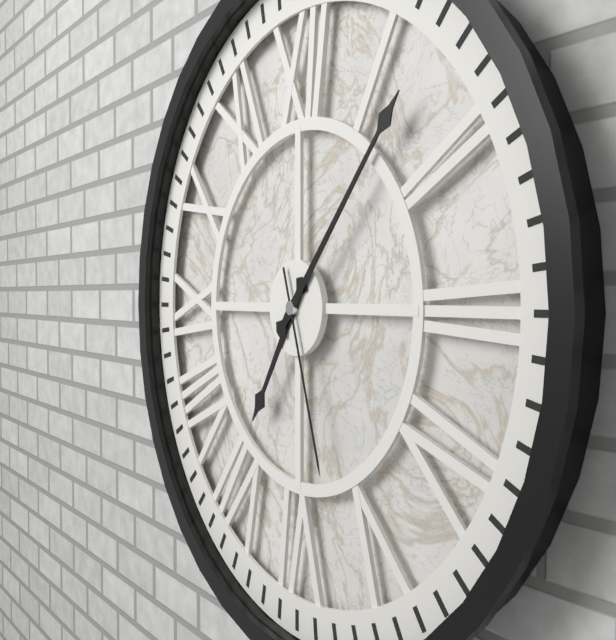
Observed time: 7:07:27
